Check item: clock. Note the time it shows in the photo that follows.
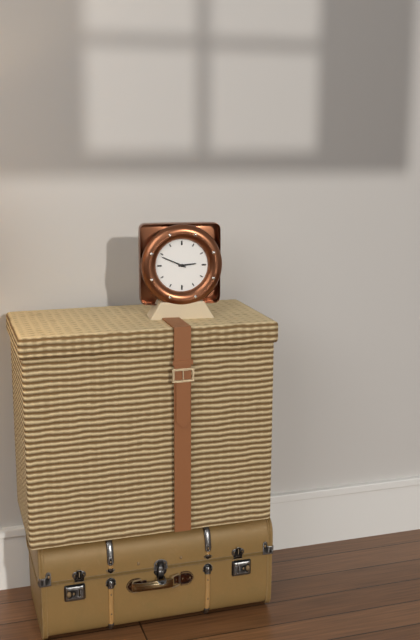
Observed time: 2:49
